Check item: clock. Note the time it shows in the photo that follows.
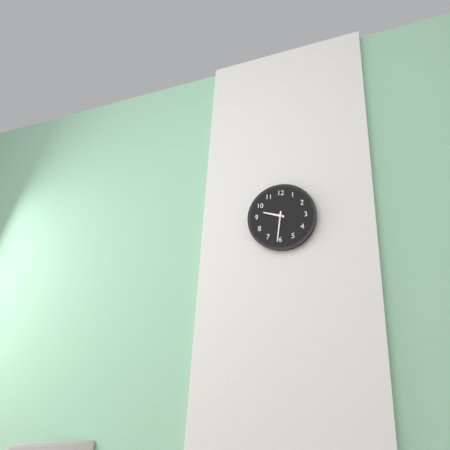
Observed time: 9:31
